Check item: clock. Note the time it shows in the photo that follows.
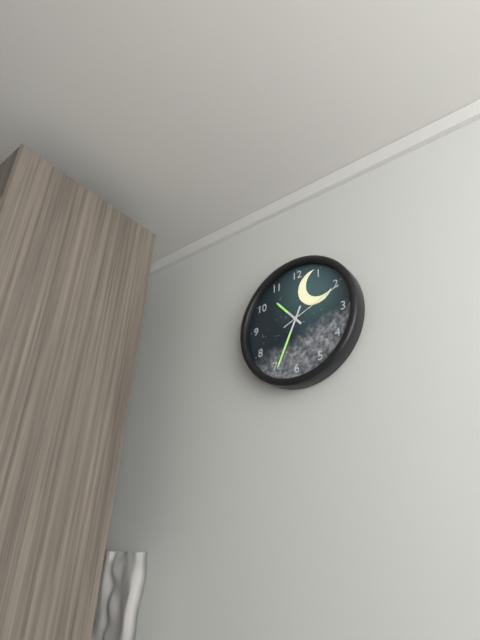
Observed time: 10:34:11
